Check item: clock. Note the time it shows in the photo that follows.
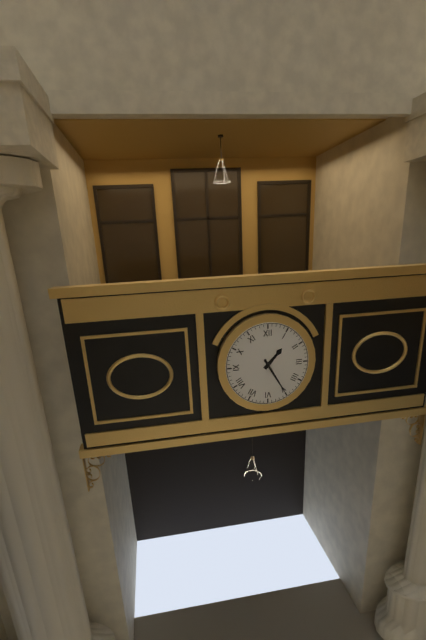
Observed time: 1:25
